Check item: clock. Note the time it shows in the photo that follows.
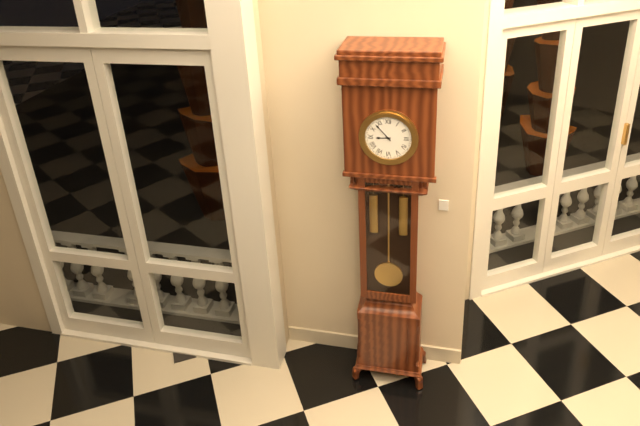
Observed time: 8:53
